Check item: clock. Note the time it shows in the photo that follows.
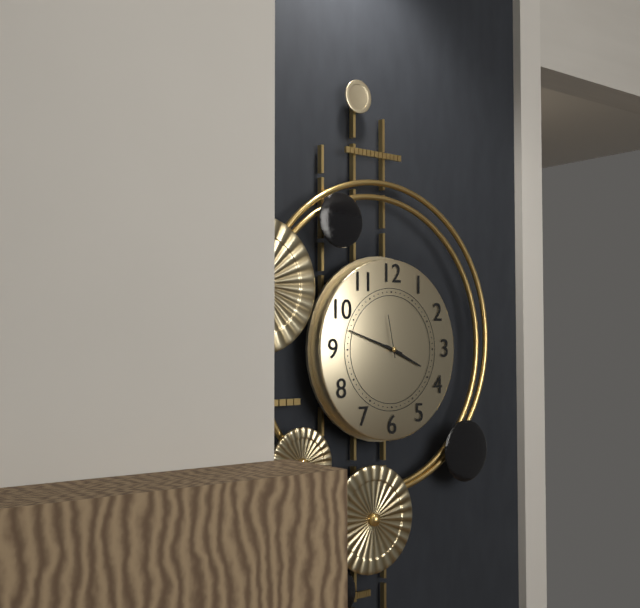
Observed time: 3:48
